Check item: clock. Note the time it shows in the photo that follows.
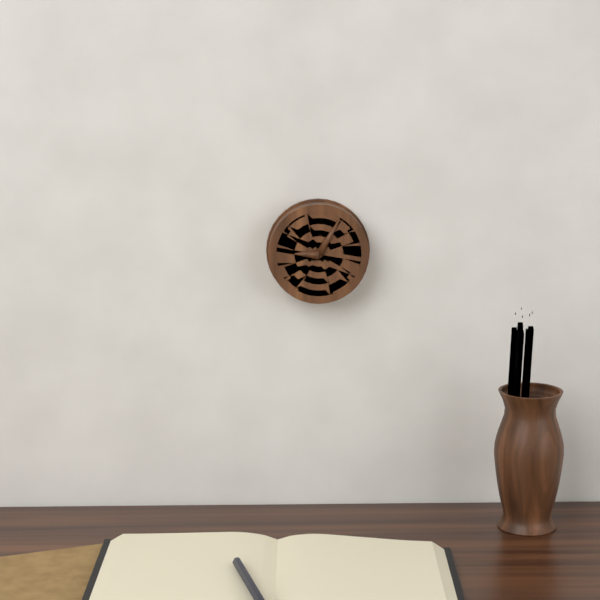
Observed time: 9:05
